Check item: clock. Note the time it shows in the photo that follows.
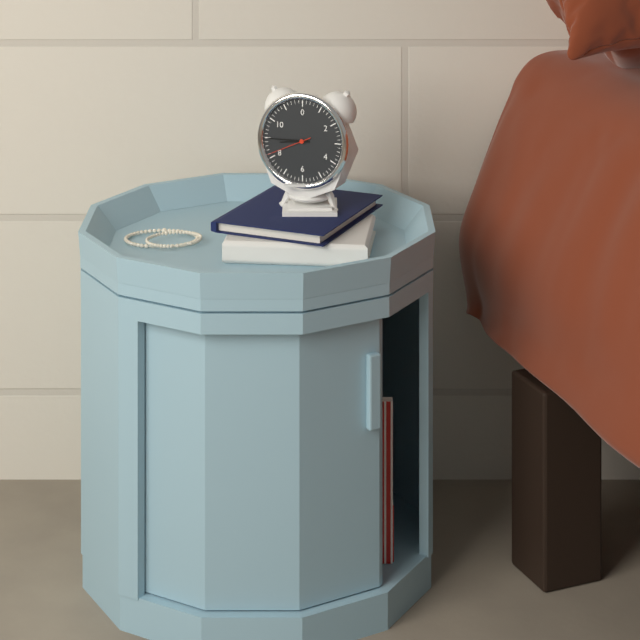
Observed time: 8:45
